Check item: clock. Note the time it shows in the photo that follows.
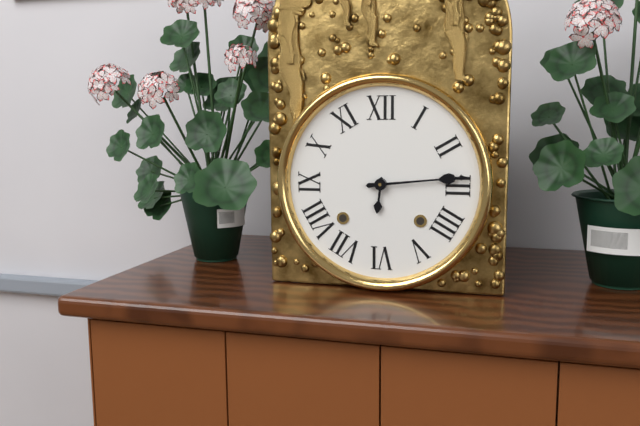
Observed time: 6:14
